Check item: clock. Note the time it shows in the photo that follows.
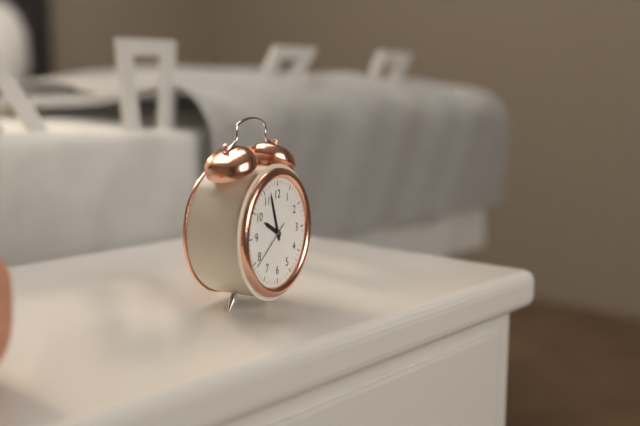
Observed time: 9:57:39
